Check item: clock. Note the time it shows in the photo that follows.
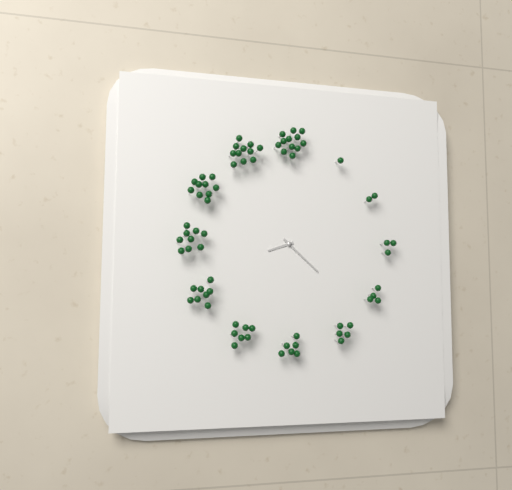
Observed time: 8:22
